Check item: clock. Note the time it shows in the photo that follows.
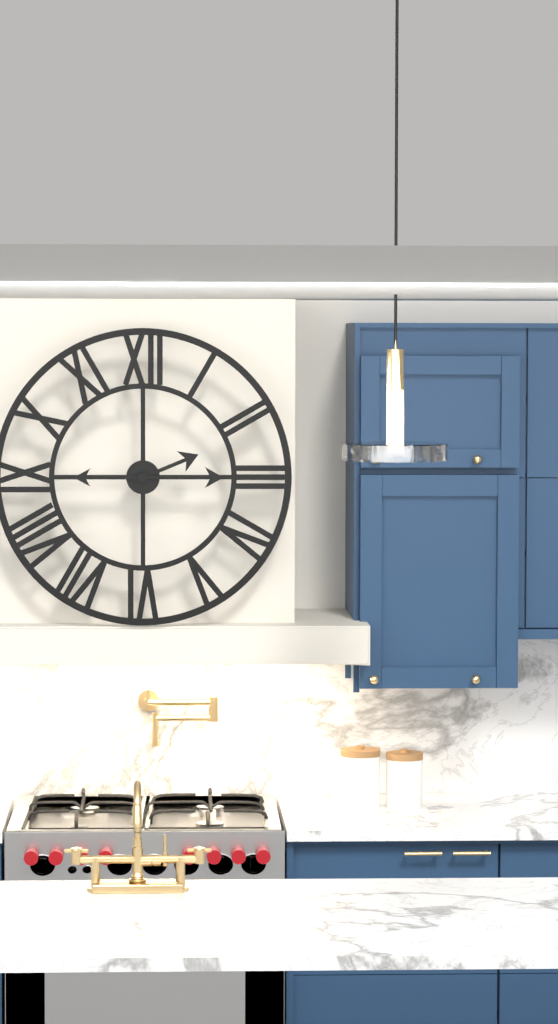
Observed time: 2:15
